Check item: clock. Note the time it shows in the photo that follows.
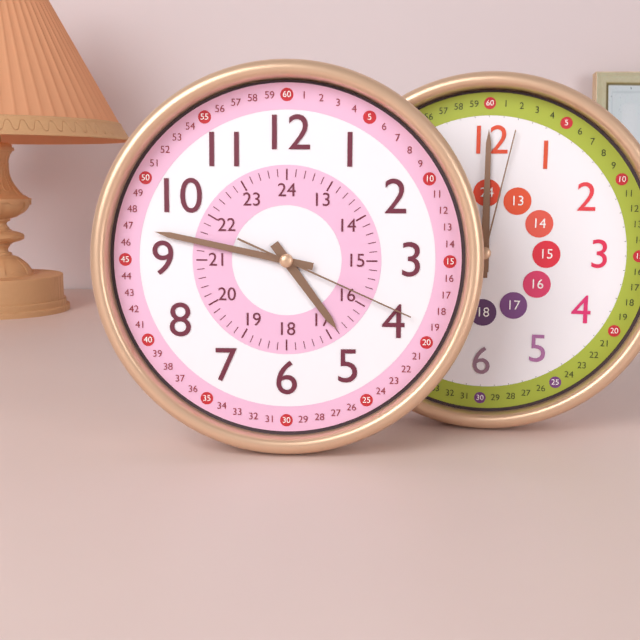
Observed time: 4:47:19
